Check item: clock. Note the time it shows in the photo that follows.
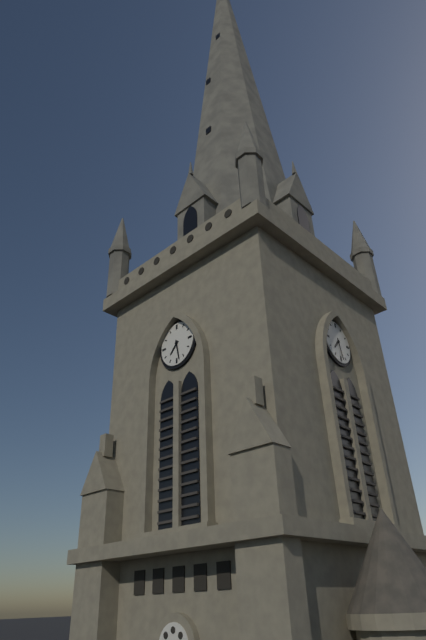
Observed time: 7:28
